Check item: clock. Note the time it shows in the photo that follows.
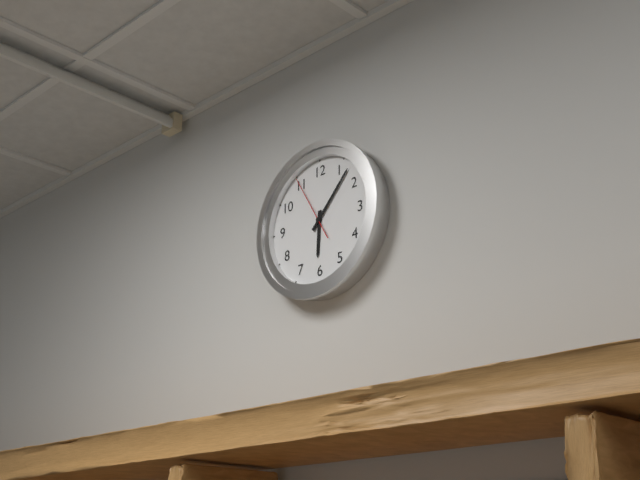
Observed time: 6:07:55
